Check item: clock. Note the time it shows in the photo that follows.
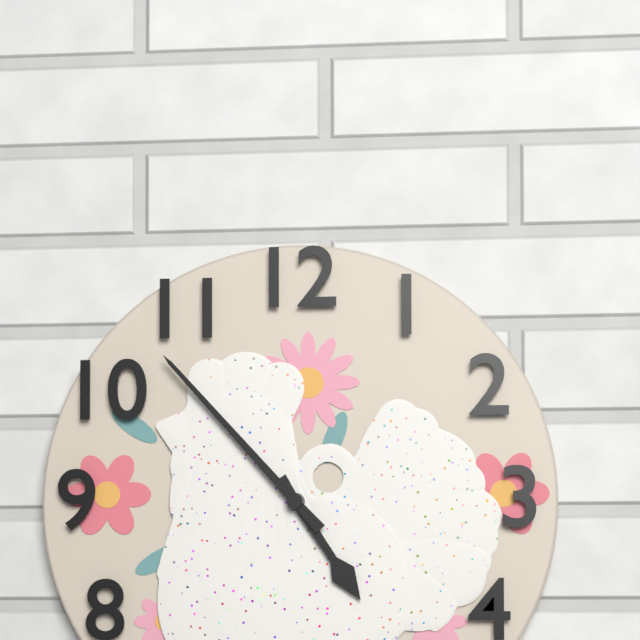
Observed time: 4:53
